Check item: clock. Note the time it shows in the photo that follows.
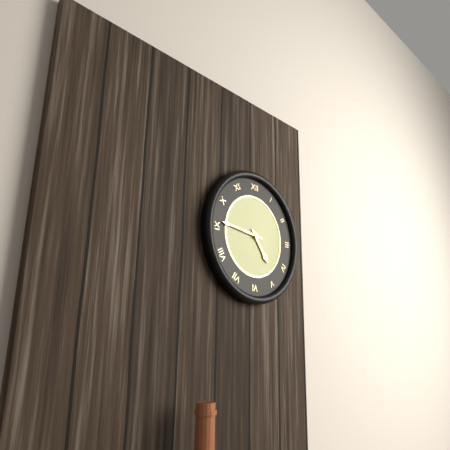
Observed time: 4:46
